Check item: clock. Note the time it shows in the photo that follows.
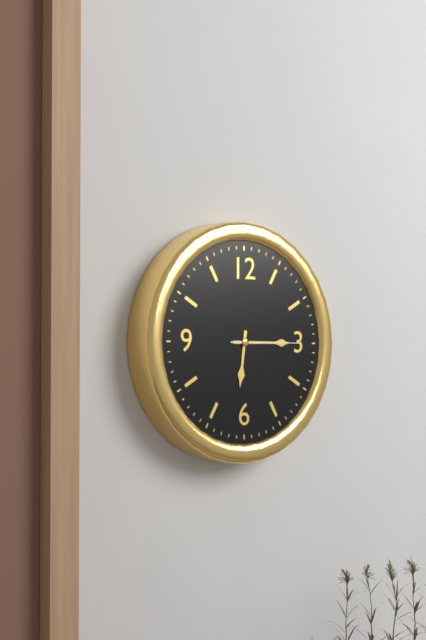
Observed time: 6:15:15
